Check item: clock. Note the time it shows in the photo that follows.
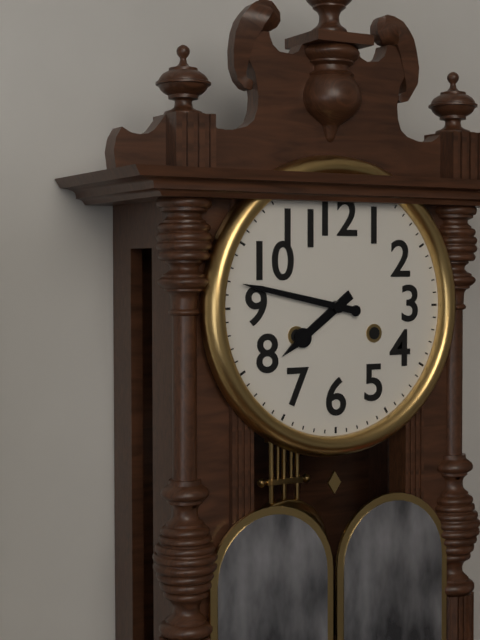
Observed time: 7:47
